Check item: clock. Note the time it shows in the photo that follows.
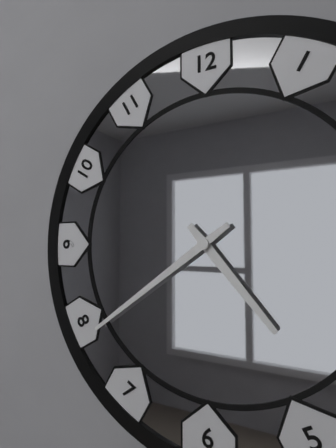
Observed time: 4:39
